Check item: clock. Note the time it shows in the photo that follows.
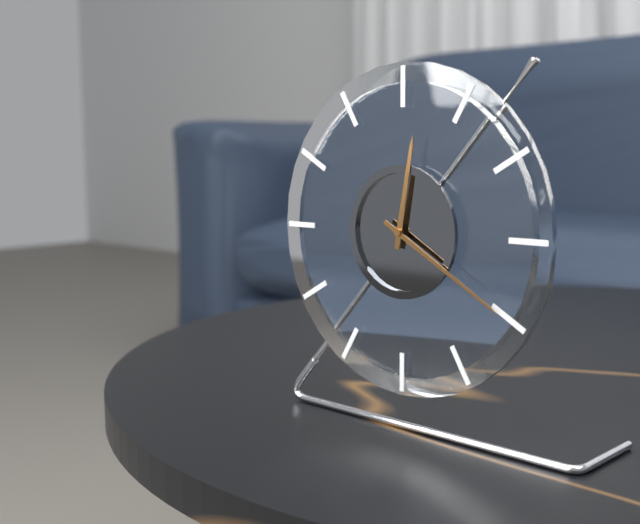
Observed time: 12:20
